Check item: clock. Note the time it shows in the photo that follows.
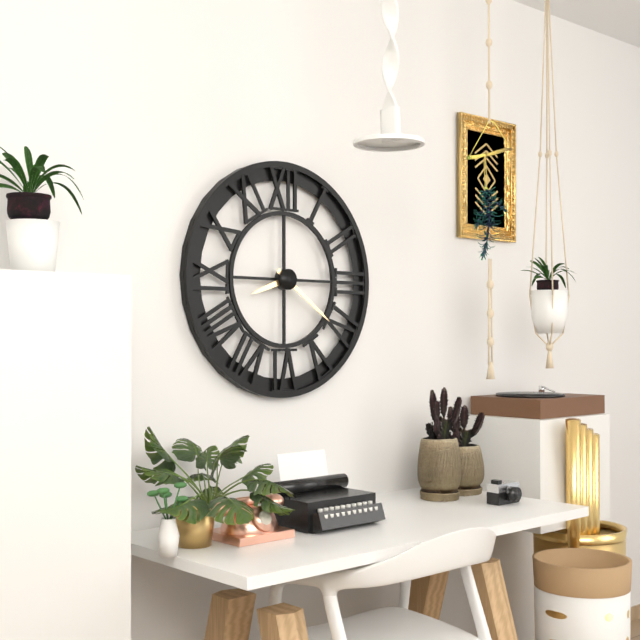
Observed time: 8:21
